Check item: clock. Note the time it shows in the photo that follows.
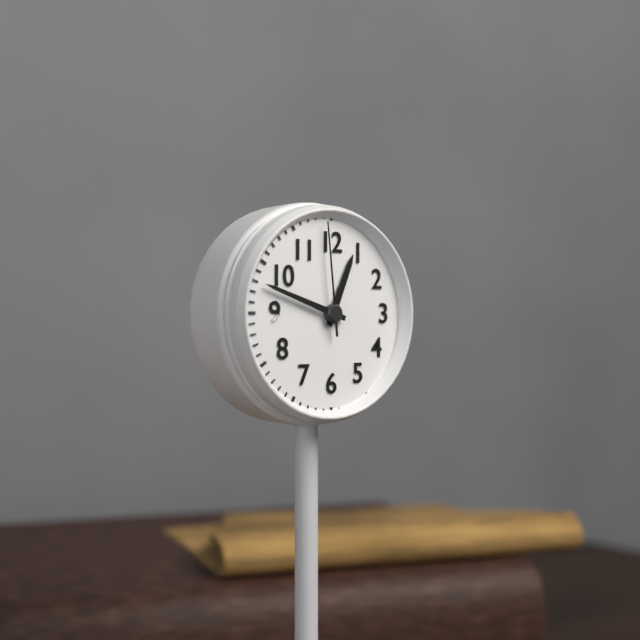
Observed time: 12:48:59
